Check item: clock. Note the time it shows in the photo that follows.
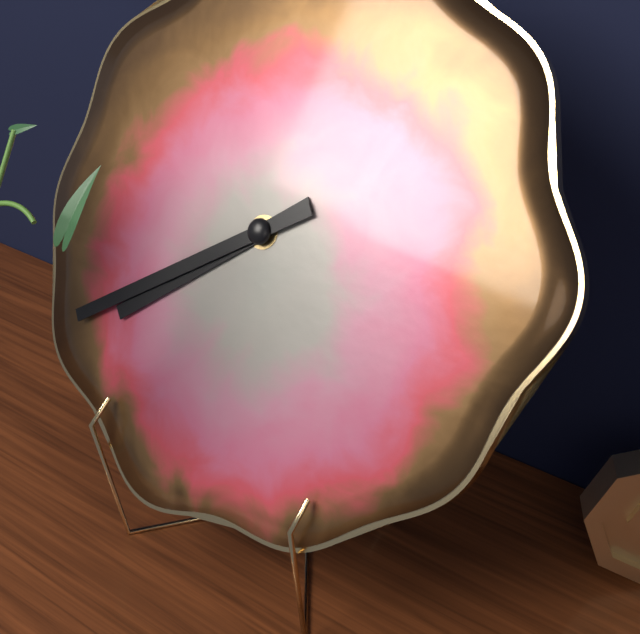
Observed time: 7:39
